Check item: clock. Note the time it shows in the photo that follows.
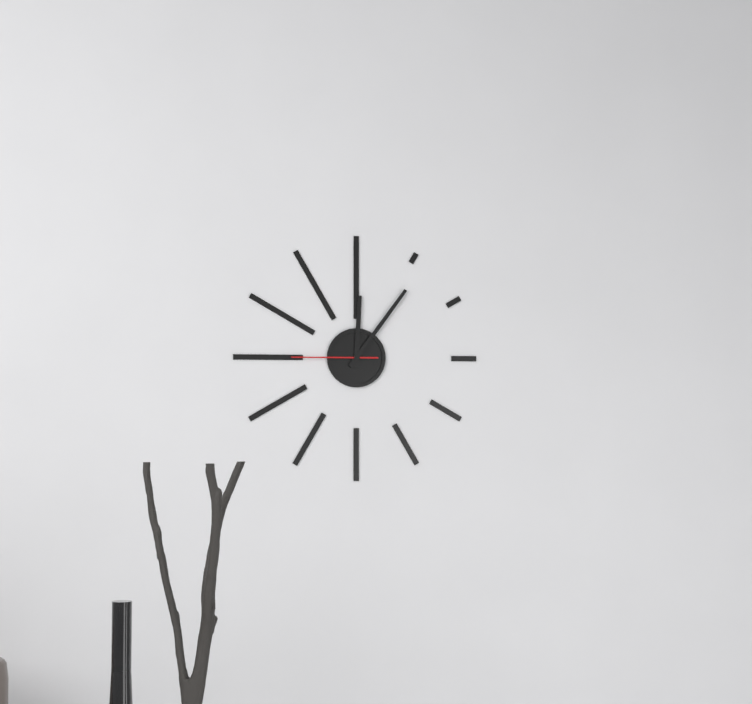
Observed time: 12:06:45
